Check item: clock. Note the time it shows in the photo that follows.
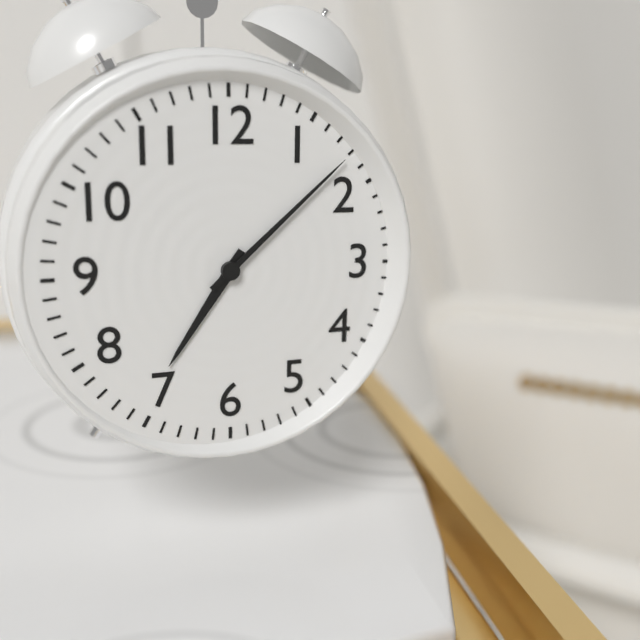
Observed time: 7:08
